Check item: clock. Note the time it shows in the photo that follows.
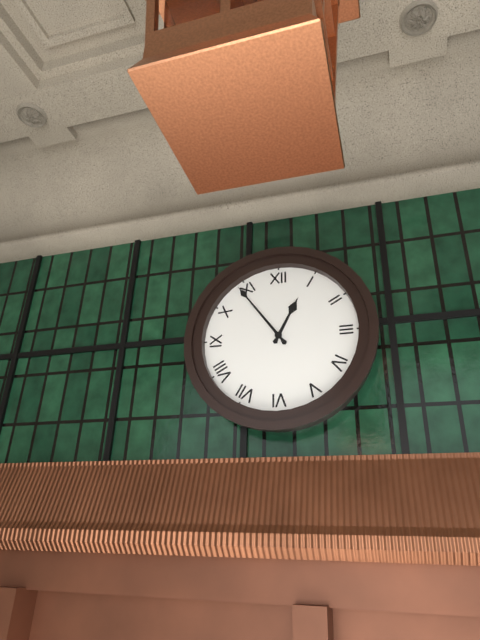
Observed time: 12:54
